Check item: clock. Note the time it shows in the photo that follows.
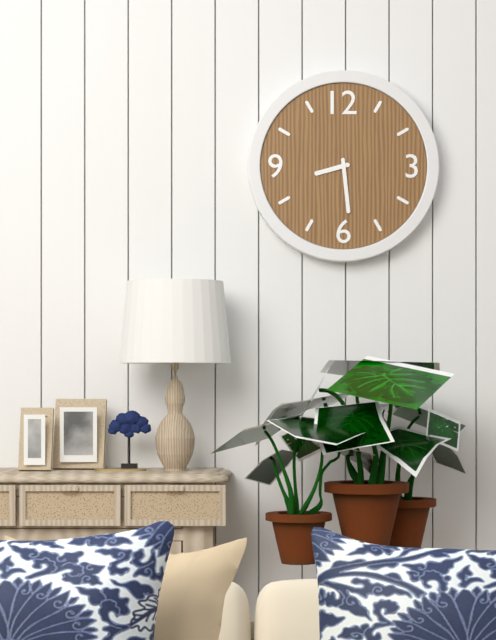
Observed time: 8:29
